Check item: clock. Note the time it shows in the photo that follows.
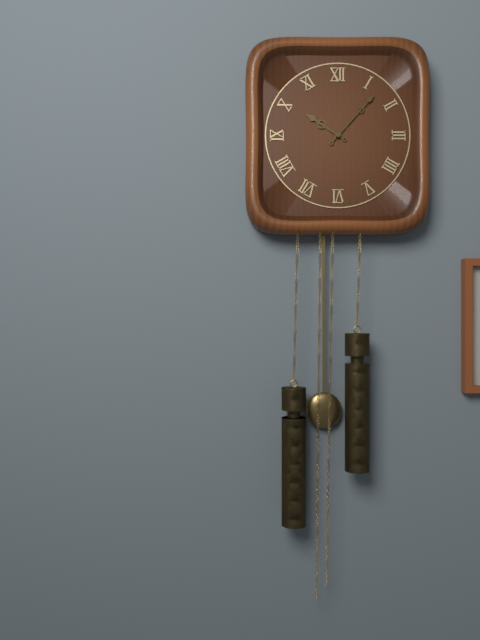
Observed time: 10:07
